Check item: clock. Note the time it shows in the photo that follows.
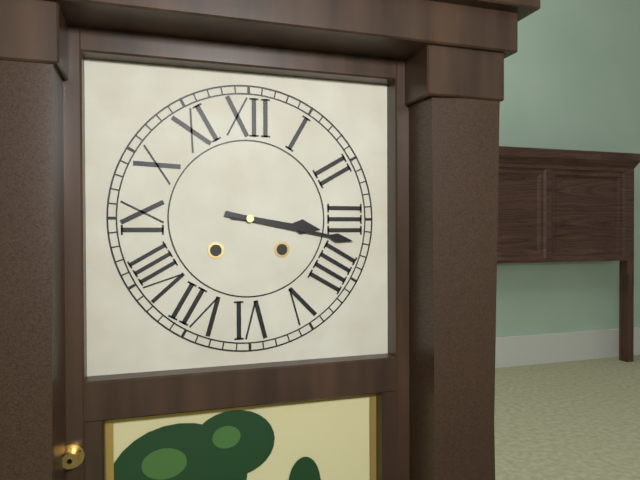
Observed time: 3:17
